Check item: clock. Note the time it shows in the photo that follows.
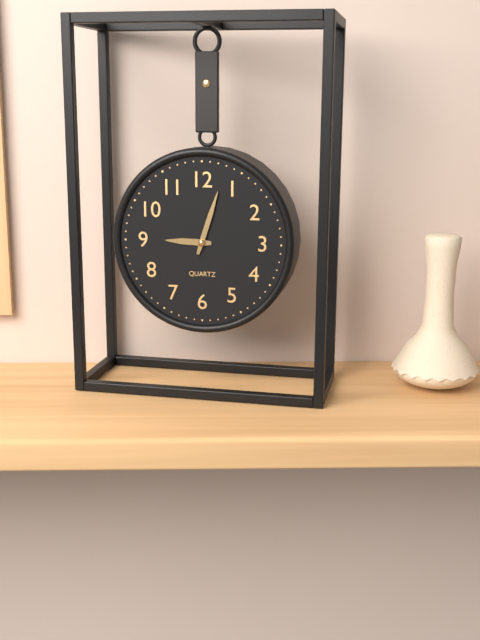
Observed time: 9:03
